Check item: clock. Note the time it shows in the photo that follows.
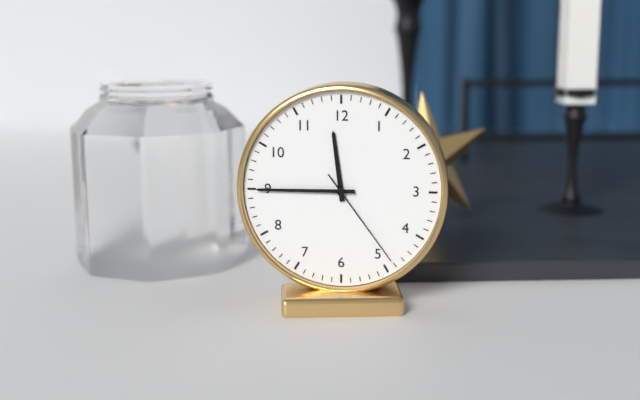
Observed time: 11:45:24
